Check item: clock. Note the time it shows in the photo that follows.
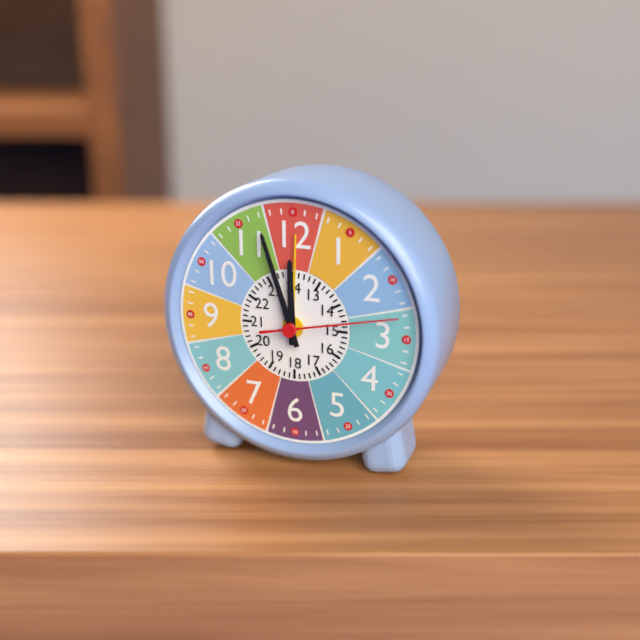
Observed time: 11:57:13
